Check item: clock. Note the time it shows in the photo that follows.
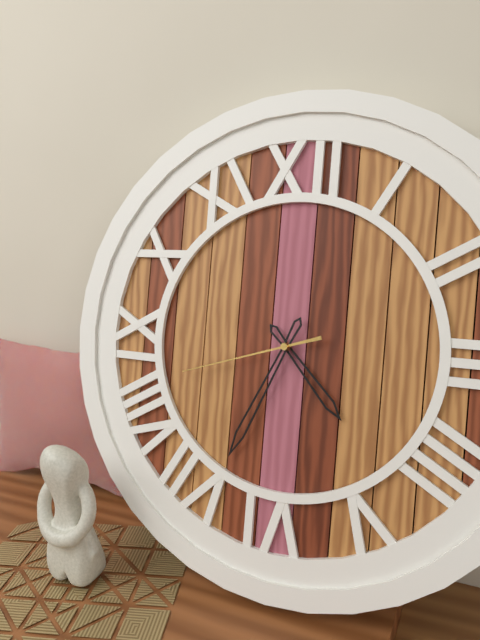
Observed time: 4:34:42
